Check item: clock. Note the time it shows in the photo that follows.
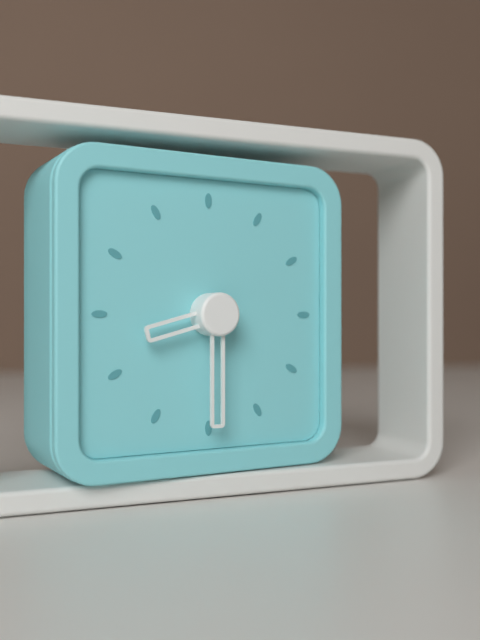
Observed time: 8:30
